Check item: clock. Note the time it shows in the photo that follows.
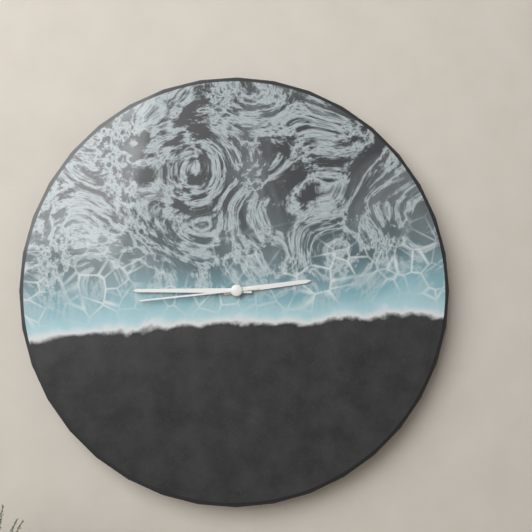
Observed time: 2:45:44
